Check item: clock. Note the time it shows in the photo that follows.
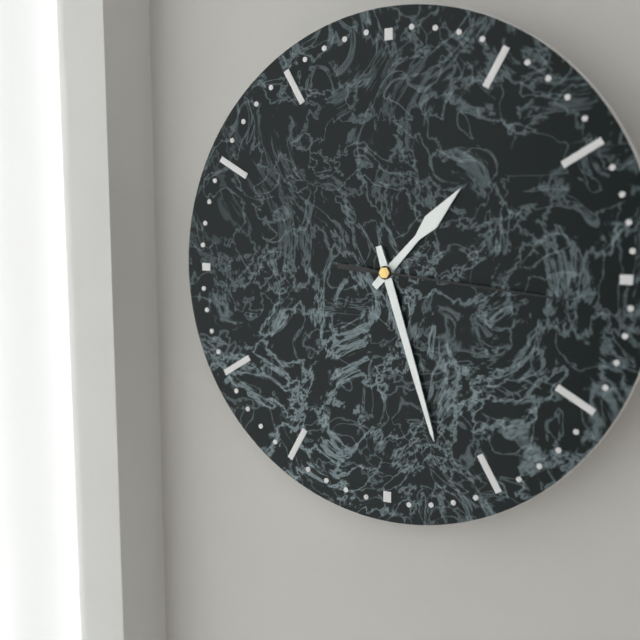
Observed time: 1:27:16
